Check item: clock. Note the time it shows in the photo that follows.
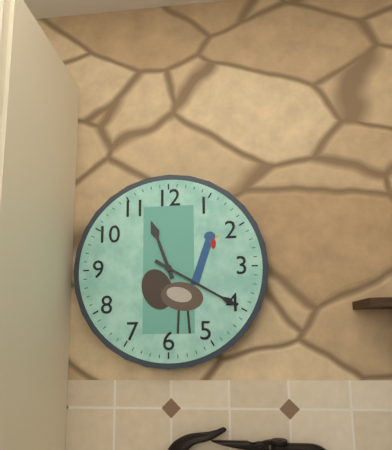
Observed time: 11:20
